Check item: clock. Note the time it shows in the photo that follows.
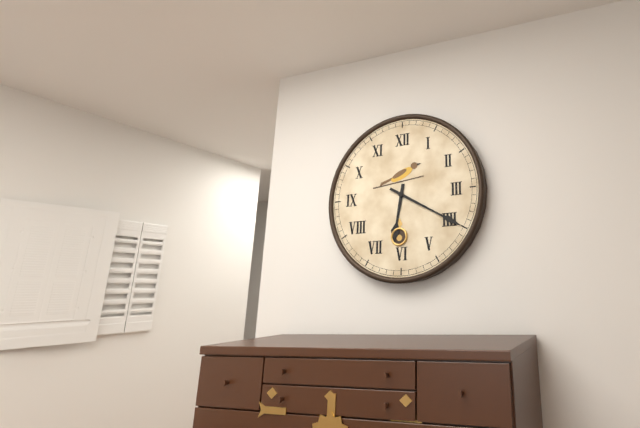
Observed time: 6:20
